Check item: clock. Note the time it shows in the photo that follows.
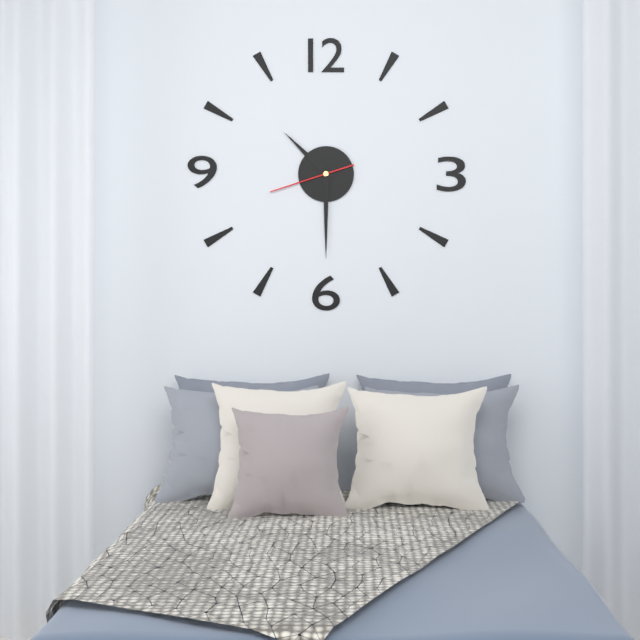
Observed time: 10:30:42
